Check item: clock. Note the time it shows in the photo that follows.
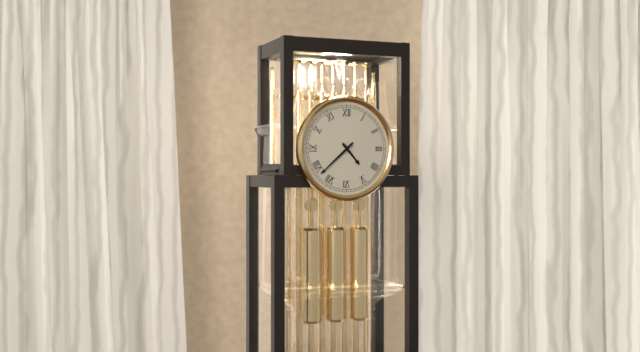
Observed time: 4:38
